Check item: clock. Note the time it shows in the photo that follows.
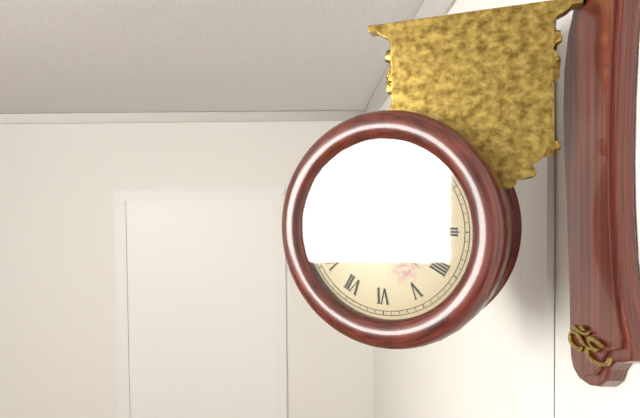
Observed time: 12:15:22
